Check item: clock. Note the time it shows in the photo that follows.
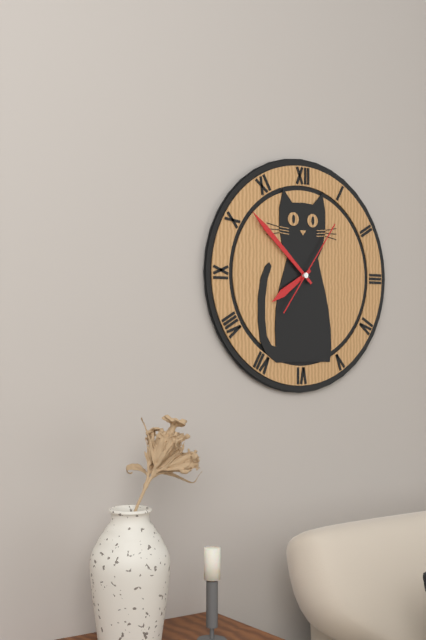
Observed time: 7:52:06
